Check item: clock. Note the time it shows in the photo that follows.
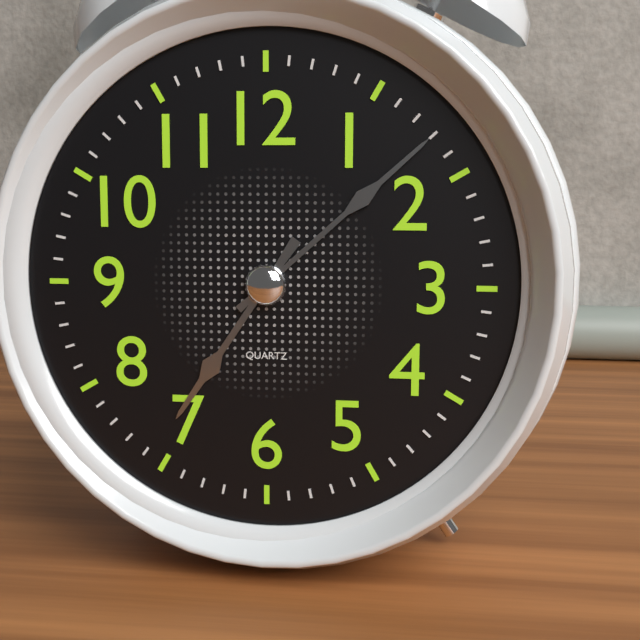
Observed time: 7:08
